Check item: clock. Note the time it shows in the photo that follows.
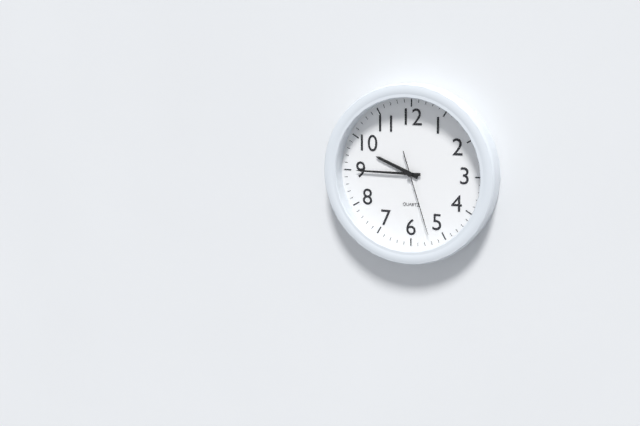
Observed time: 9:45:27
